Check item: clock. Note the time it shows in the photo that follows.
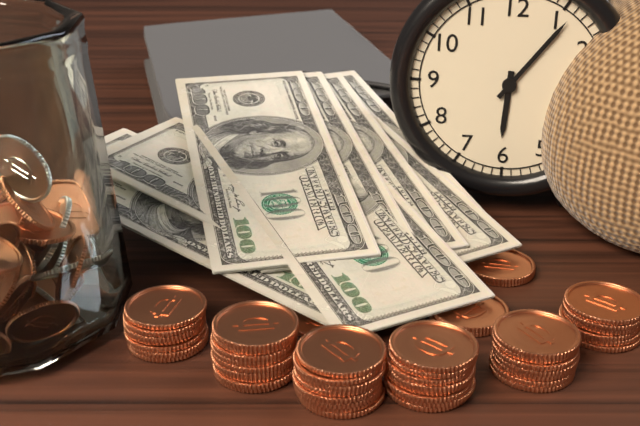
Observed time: 6:06
